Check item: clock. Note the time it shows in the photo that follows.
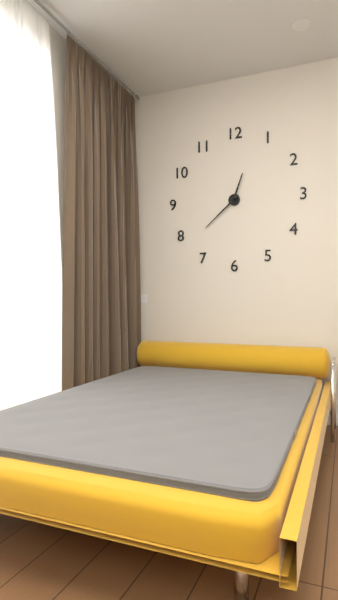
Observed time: 12:38
